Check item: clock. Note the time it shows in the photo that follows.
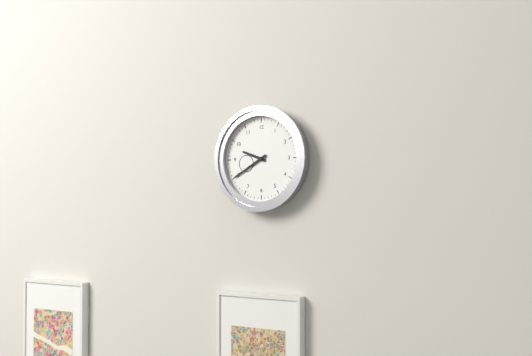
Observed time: 9:40
